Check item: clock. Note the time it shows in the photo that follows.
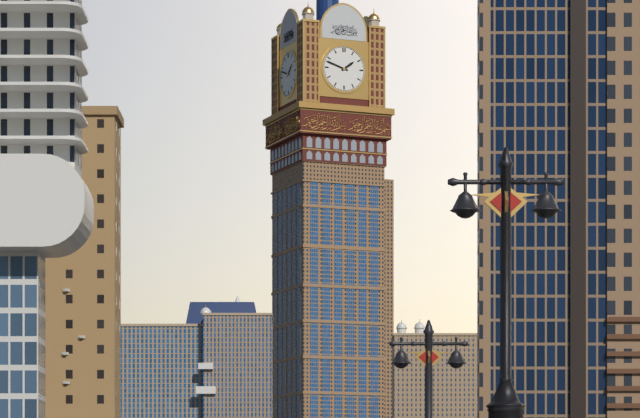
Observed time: 1:48
